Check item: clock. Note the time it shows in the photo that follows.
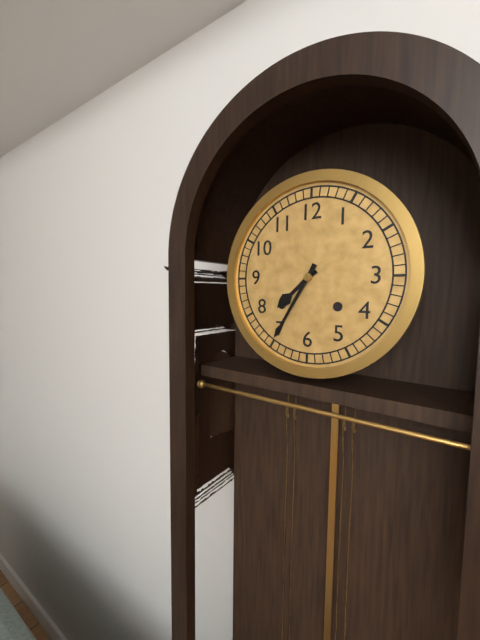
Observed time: 7:35
